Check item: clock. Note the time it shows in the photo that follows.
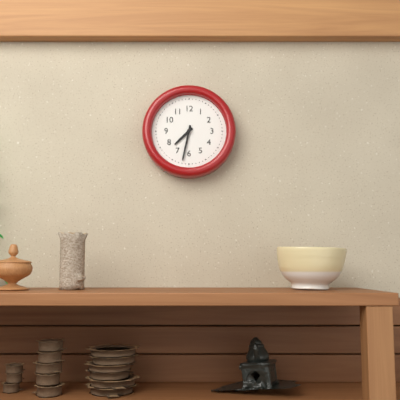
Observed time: 7:32
